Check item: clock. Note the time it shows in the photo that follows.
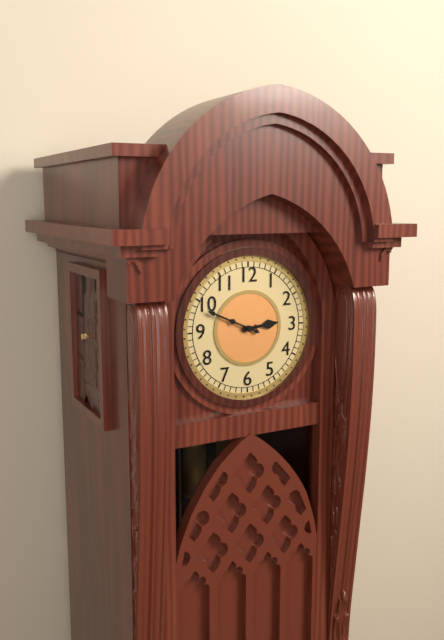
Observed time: 2:49
